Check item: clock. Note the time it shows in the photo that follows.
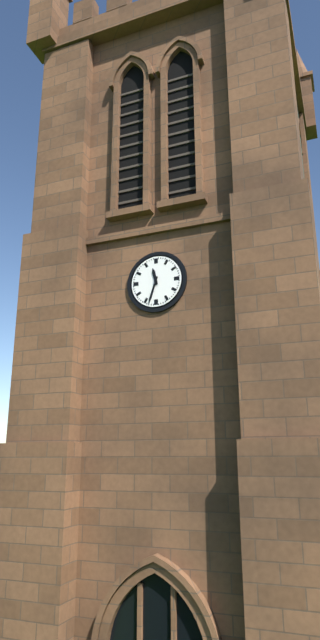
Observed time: 11:33
